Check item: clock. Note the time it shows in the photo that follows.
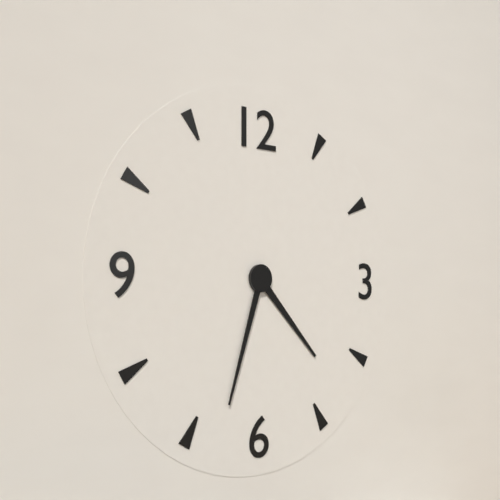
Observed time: 4:33
